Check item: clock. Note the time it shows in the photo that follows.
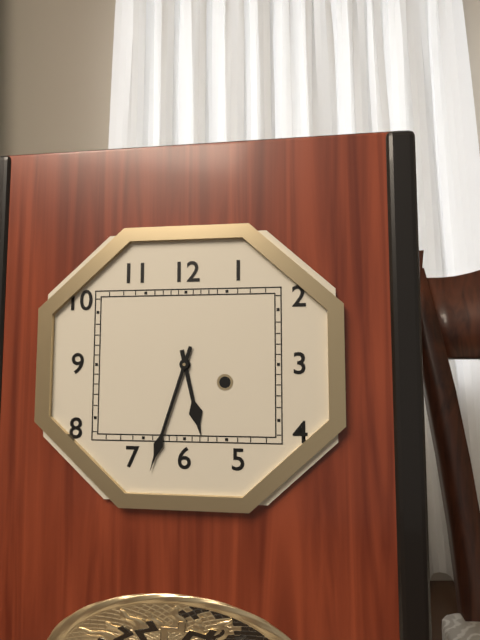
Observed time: 5:33
